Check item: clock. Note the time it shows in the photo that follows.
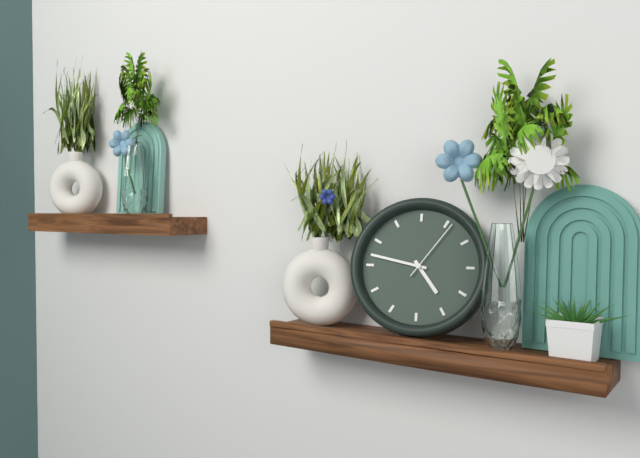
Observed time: 4:47:06
